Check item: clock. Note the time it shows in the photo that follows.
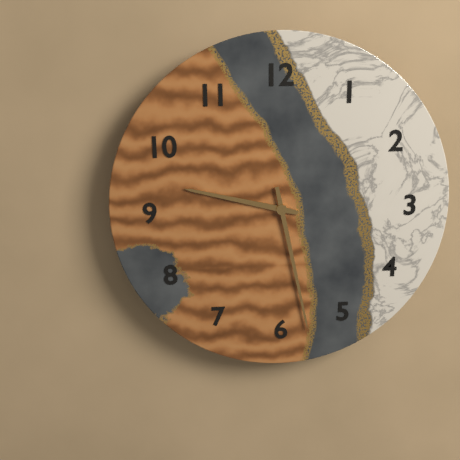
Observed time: 9:28
